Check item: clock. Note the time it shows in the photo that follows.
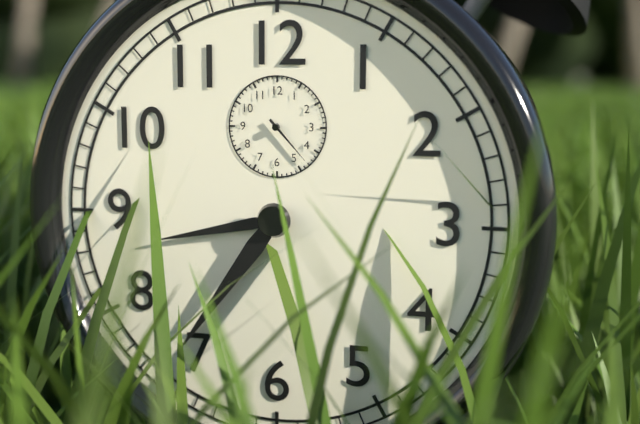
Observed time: 8:36:23
